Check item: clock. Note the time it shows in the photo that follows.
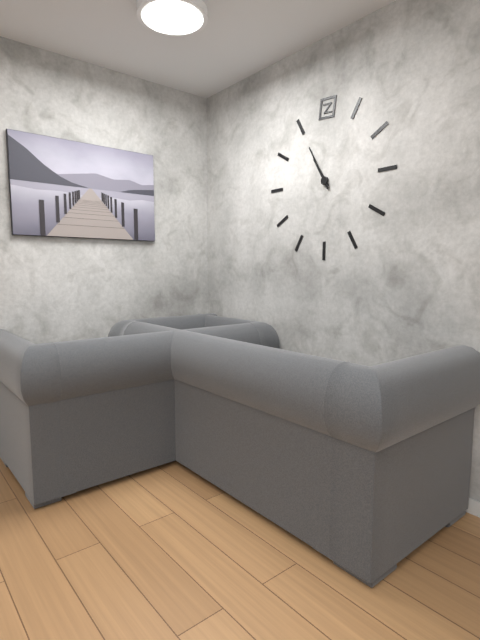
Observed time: 10:55
